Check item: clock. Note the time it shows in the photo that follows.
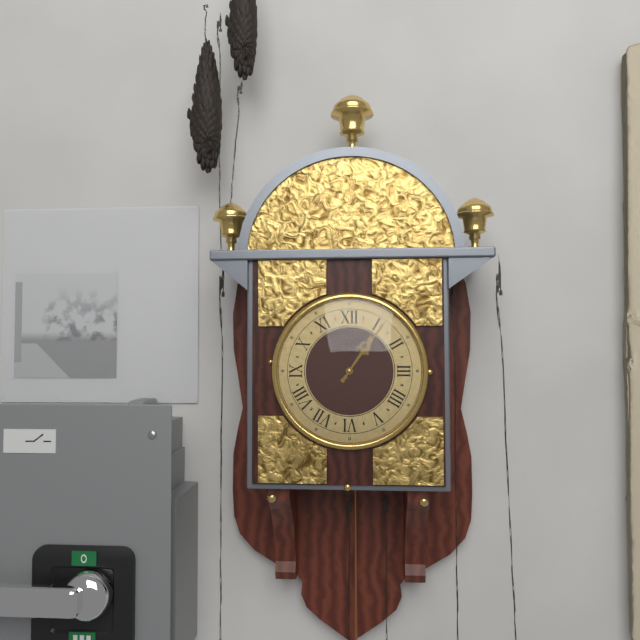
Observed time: 1:06
